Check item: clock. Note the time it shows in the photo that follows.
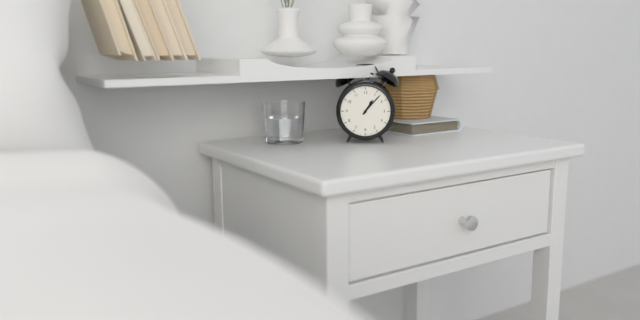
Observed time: 1:07
